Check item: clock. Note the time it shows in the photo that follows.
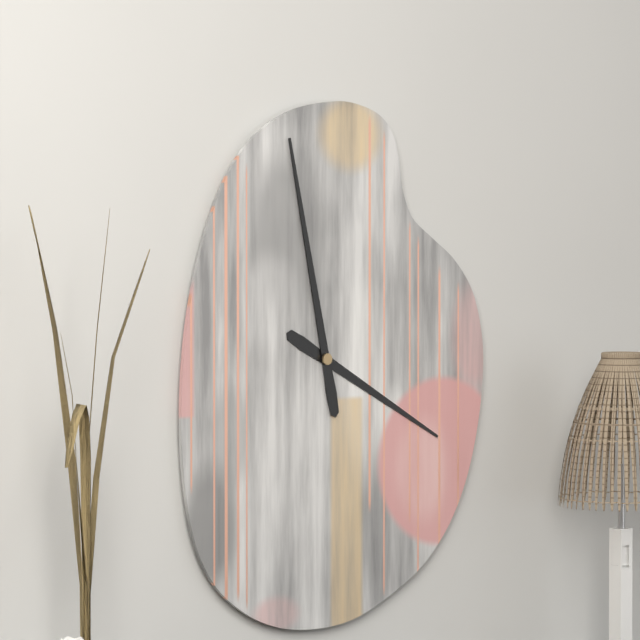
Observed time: 3:58
